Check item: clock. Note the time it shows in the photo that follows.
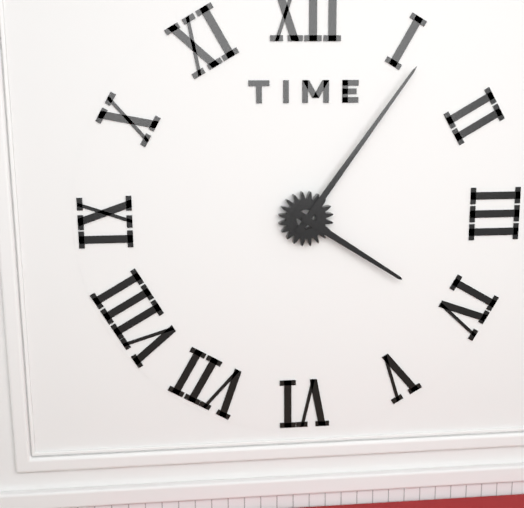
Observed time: 4:06
